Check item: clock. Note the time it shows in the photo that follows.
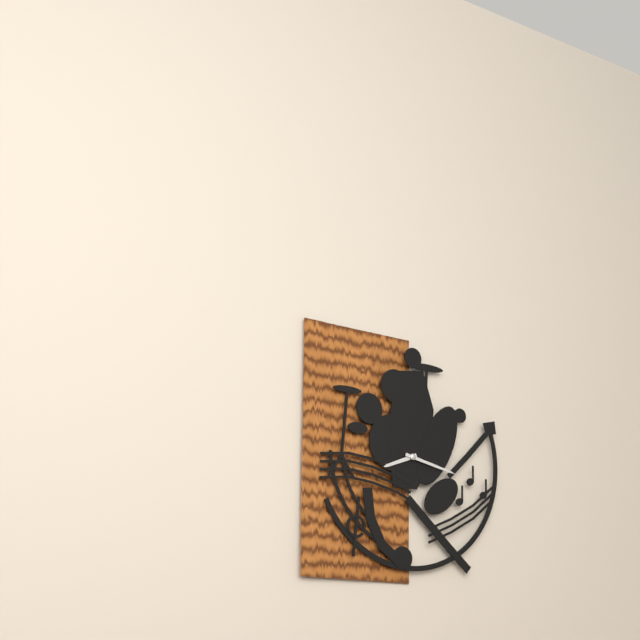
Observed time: 8:17
